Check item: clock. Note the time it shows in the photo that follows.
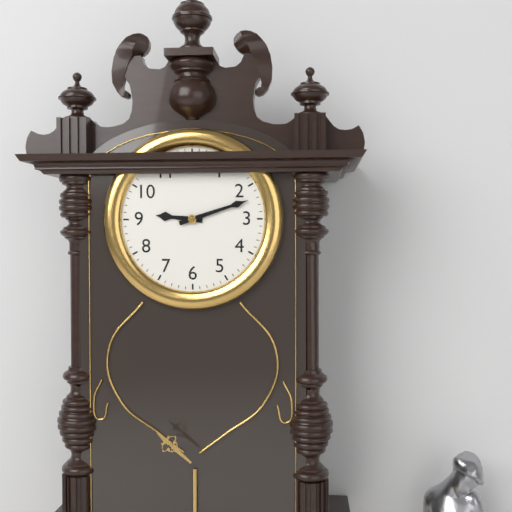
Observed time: 9:12
